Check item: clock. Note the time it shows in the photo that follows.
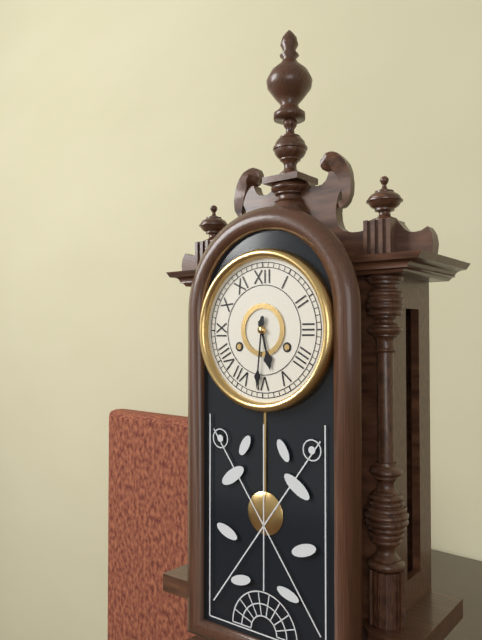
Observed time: 5:31
